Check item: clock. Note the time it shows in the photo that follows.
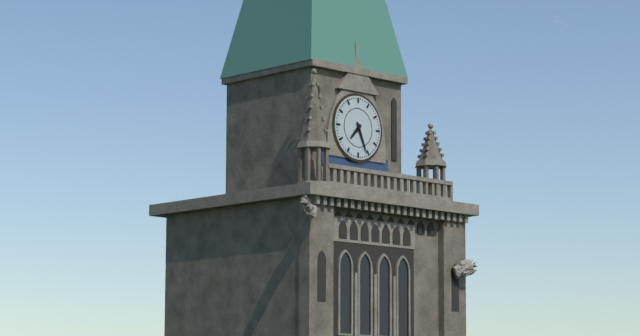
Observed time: 7:26
